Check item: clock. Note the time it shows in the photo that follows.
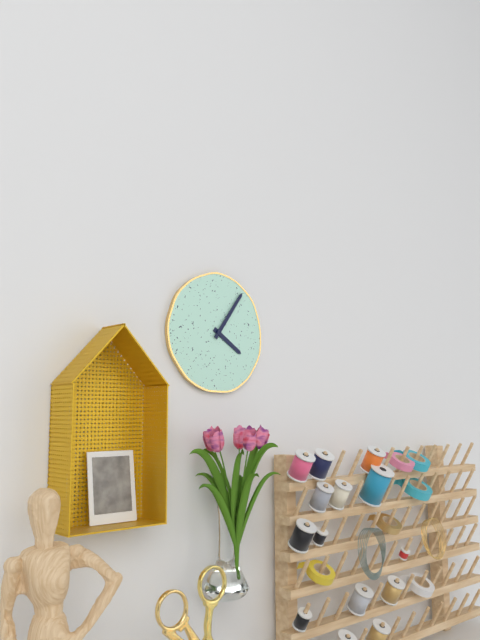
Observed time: 4:06
